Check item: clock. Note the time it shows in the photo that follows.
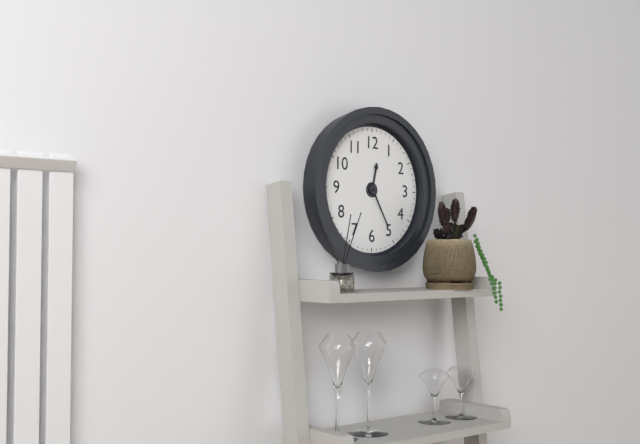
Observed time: 12:25
